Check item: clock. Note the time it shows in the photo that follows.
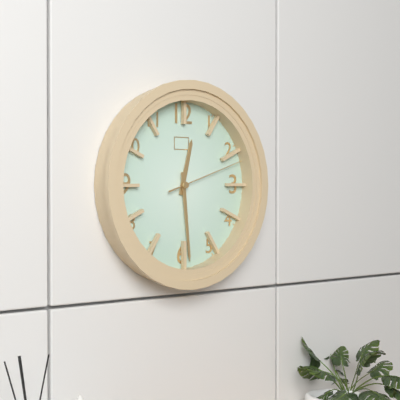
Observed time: 12:29:12
